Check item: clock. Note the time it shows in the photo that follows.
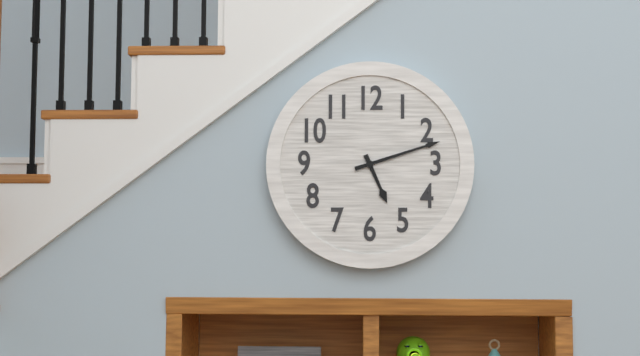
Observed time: 5:12
